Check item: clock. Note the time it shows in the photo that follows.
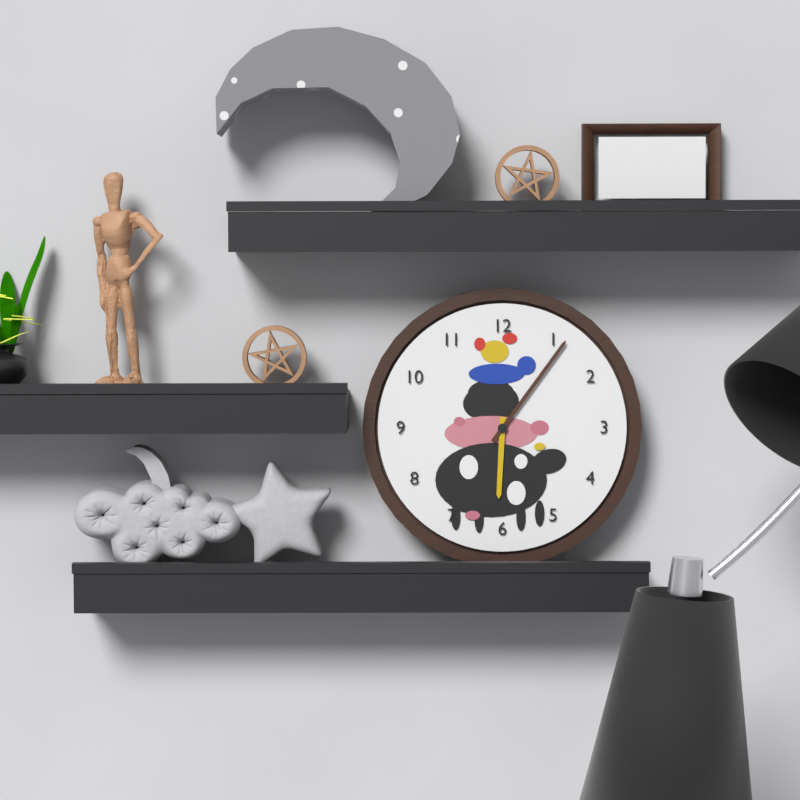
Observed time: 6:06
